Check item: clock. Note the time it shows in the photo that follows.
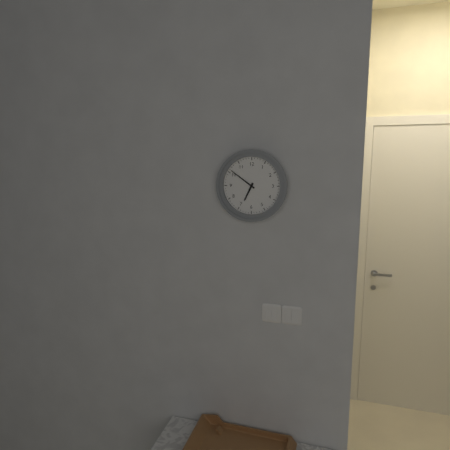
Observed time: 6:51
